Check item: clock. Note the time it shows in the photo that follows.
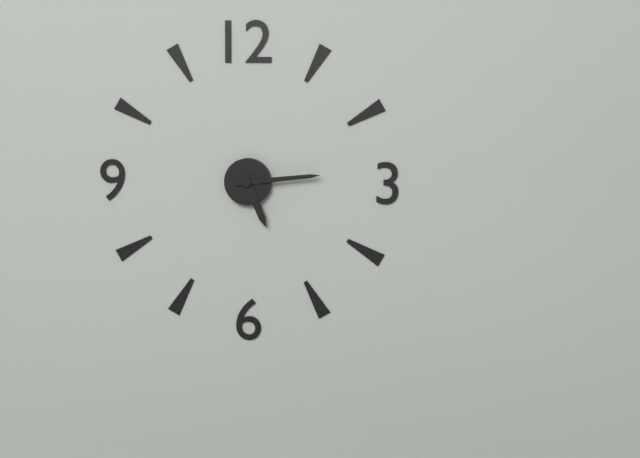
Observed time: 5:14
